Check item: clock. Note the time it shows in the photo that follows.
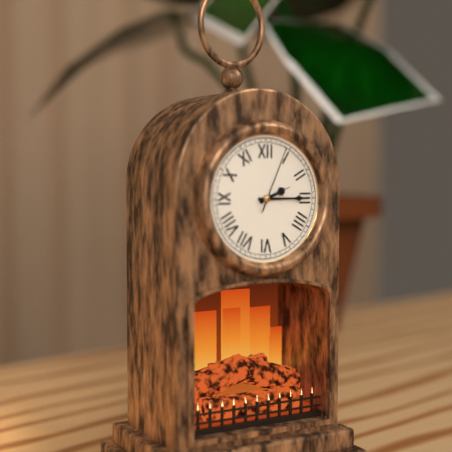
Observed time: 2:15:04
